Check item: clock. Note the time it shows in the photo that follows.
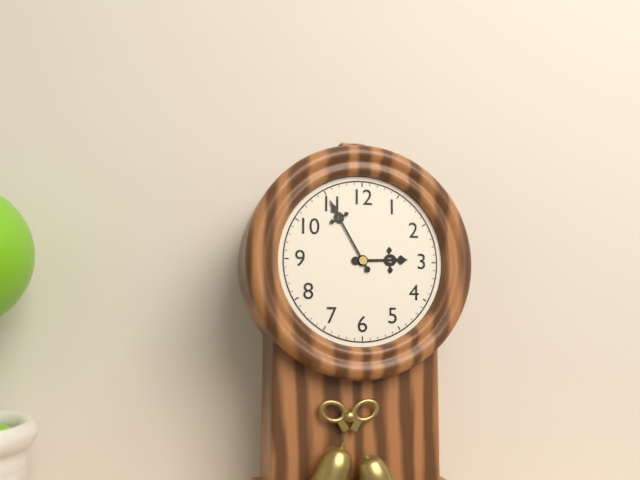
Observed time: 2:55
